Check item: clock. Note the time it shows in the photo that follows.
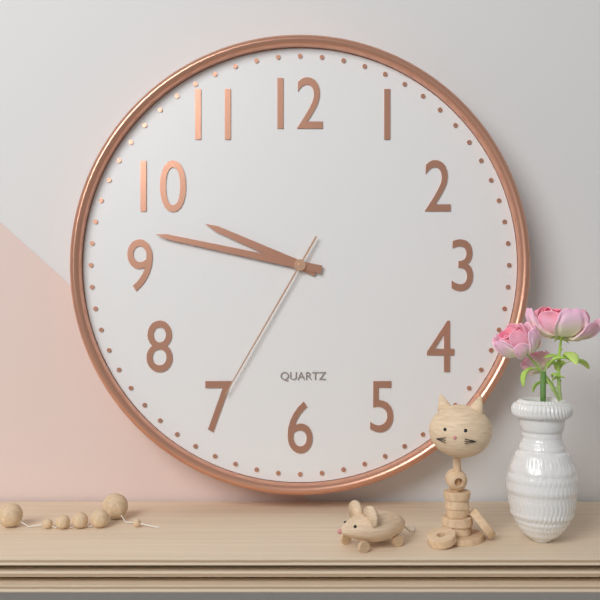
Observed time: 9:47:35
